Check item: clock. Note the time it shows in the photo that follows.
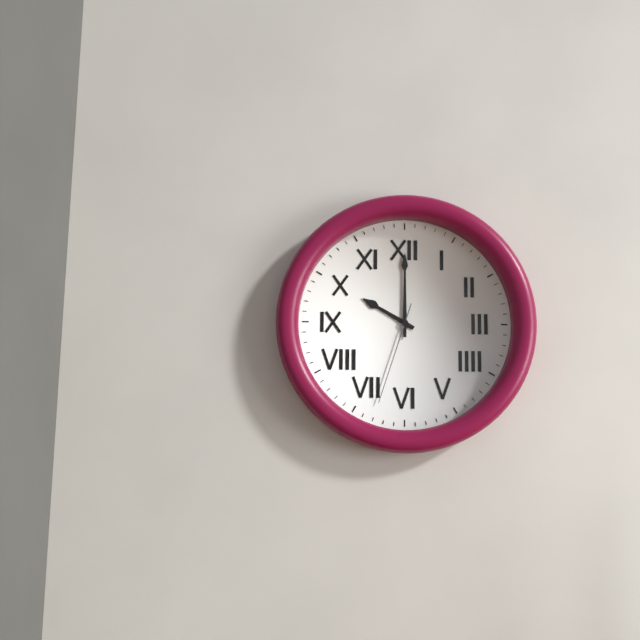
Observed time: 10:00:33
